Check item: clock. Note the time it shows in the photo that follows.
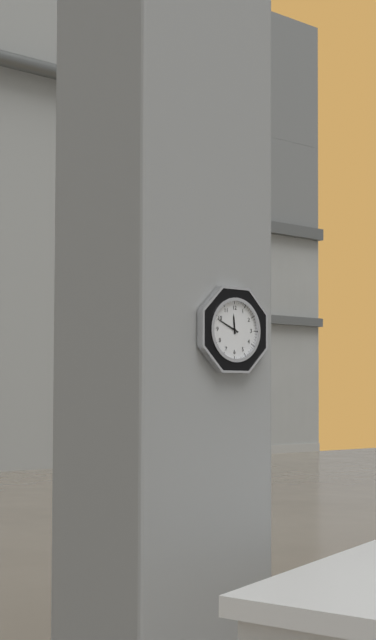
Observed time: 11:49
